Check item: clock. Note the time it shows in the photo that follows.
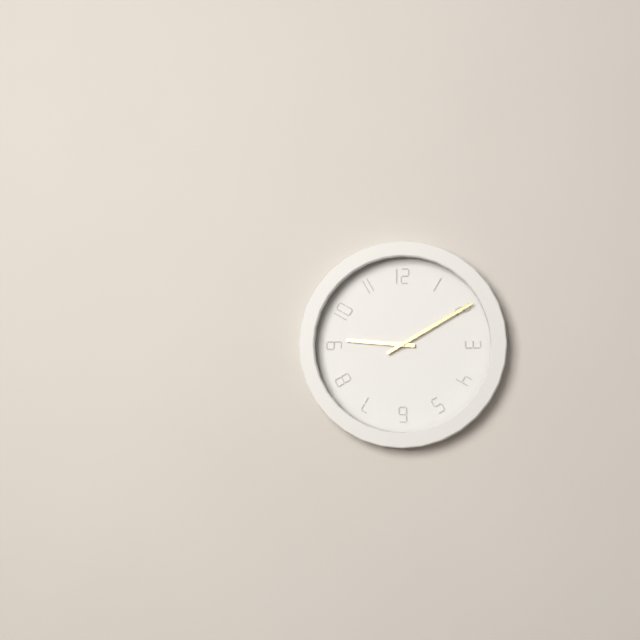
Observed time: 9:10
